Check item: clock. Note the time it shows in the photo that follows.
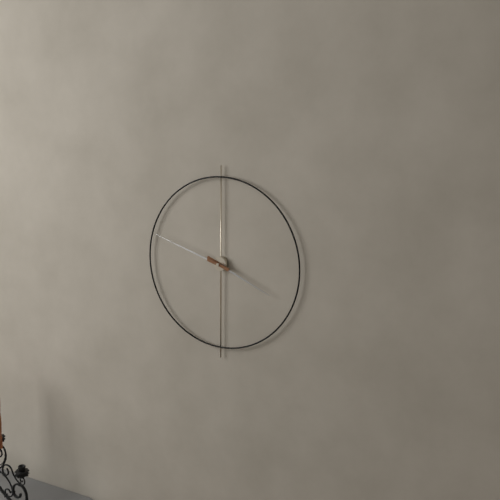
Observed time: 3:48
